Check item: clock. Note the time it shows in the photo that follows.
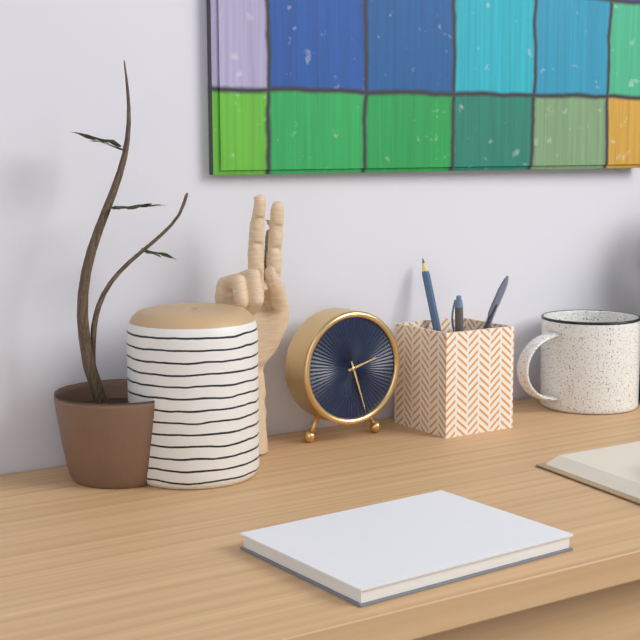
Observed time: 2:27
